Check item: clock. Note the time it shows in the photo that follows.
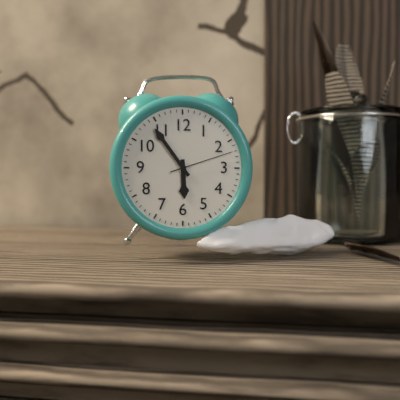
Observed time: 5:54:12
